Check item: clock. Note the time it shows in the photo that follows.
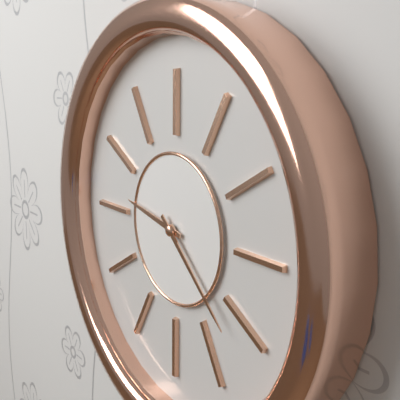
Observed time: 9:22
